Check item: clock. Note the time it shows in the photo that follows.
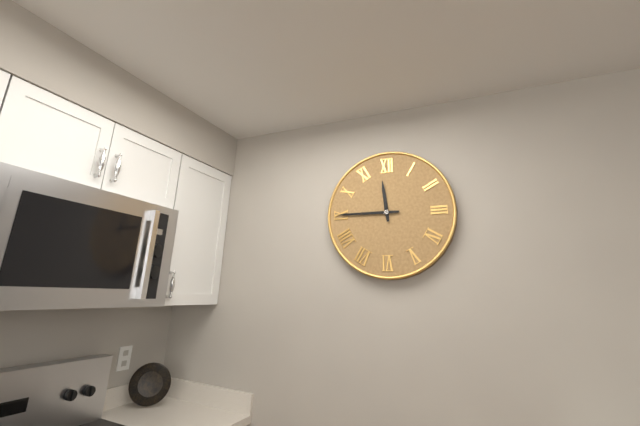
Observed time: 11:45
